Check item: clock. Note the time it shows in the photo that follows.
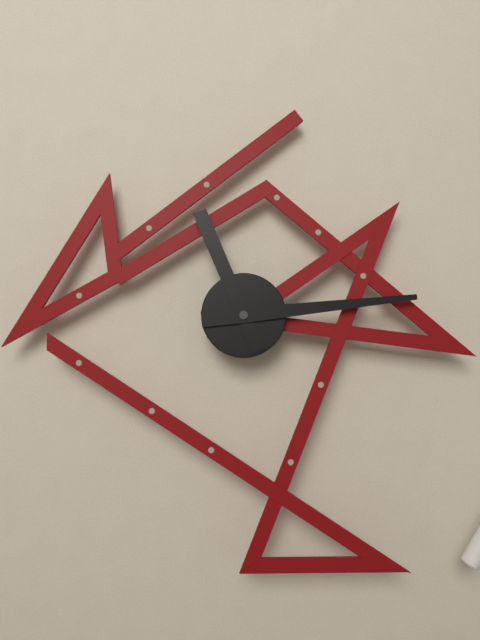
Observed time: 11:14
